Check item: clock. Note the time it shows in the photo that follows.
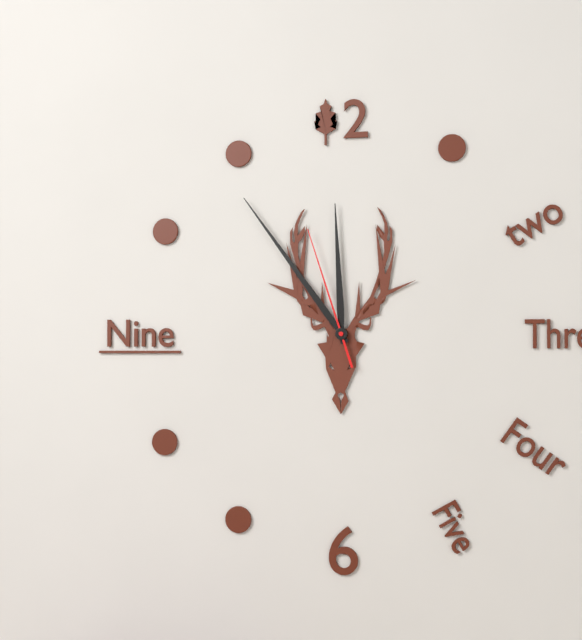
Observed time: 11:54:57
